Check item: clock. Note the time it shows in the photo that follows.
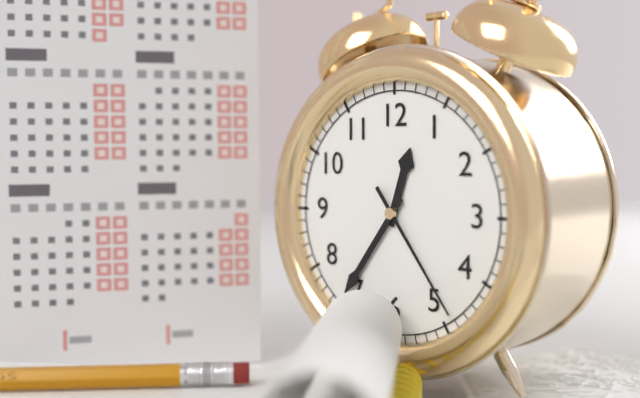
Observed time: 12:36:24
